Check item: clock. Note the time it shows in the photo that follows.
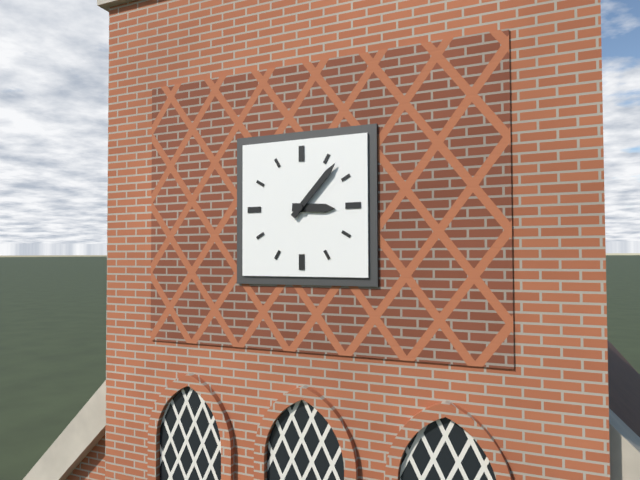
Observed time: 3:07
